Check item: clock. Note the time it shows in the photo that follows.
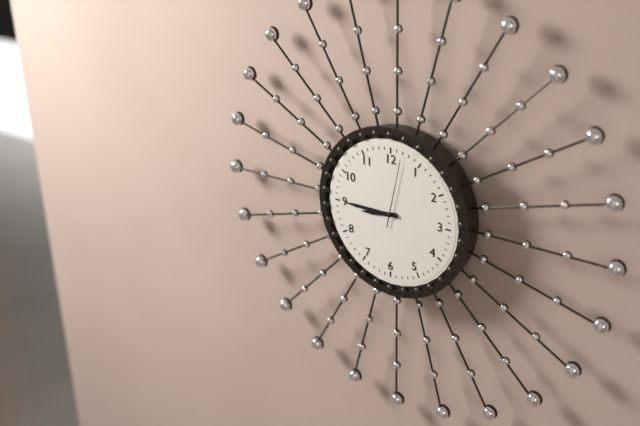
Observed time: 8:45:02
